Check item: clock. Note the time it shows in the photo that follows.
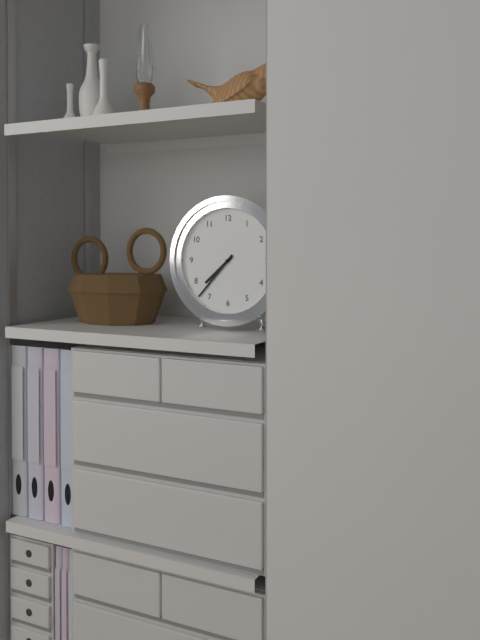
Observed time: 7:37
